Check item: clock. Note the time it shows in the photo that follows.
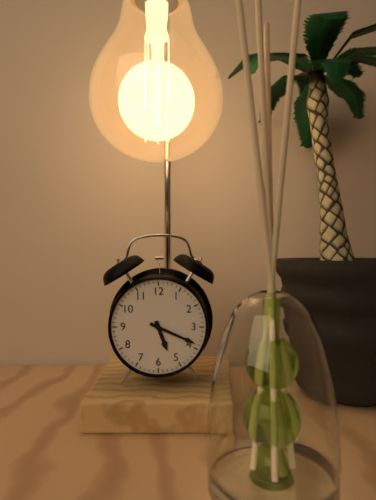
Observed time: 5:19
